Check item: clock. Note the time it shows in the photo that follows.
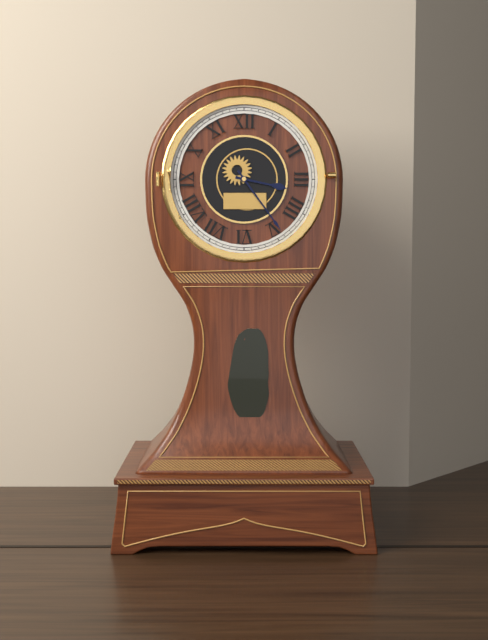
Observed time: 3:24
